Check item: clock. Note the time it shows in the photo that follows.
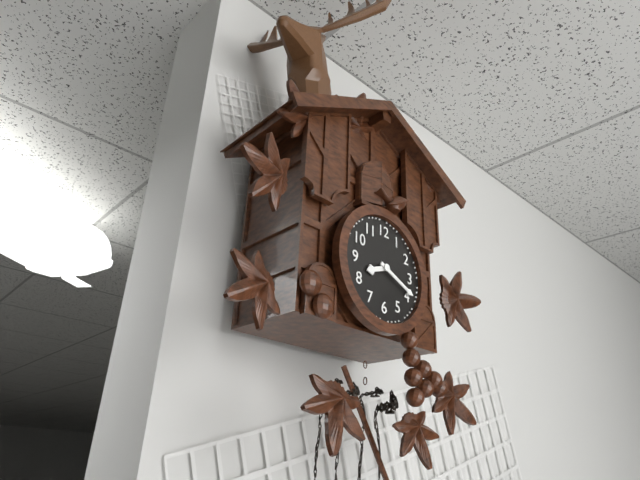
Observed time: 8:19
